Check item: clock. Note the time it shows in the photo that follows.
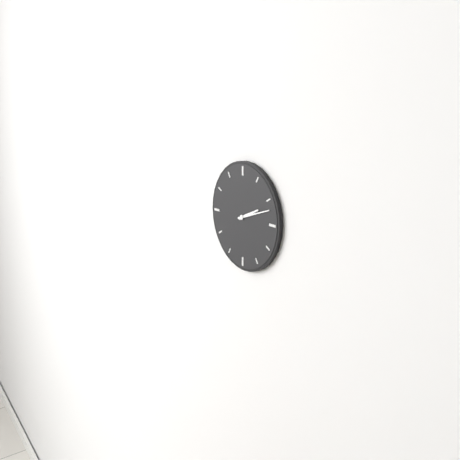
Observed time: 2:12
